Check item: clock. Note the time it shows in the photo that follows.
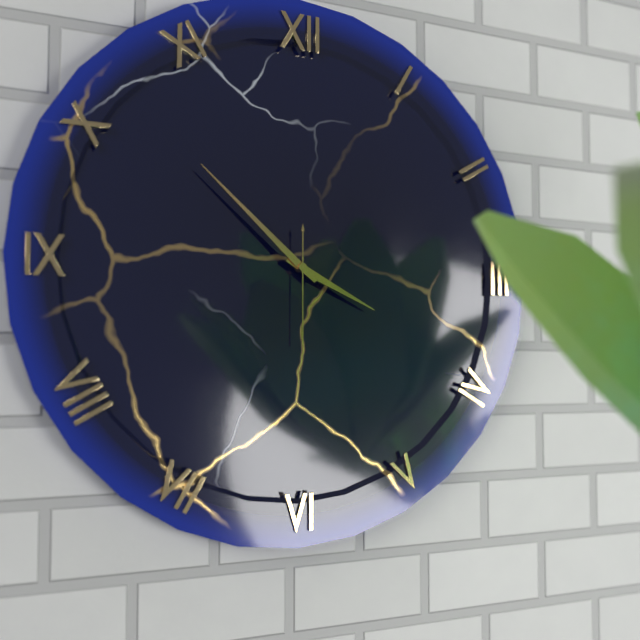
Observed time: 3:52:30
